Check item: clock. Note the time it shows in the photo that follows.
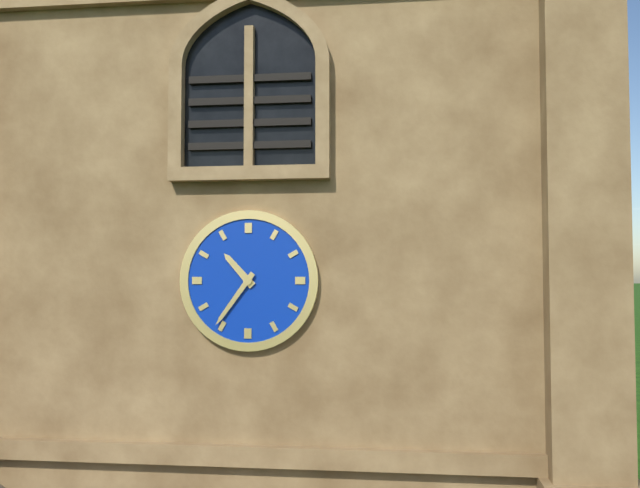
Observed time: 10:36
